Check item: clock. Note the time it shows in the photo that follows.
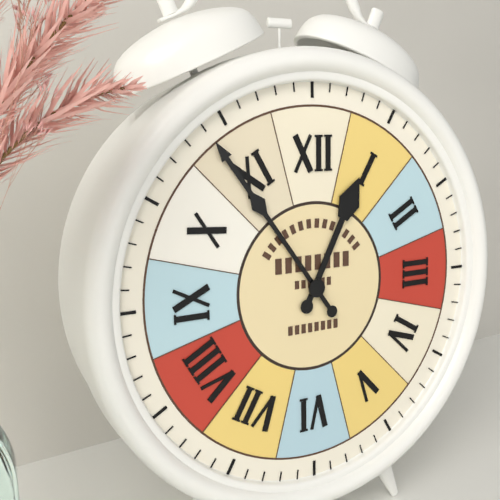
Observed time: 12:54
